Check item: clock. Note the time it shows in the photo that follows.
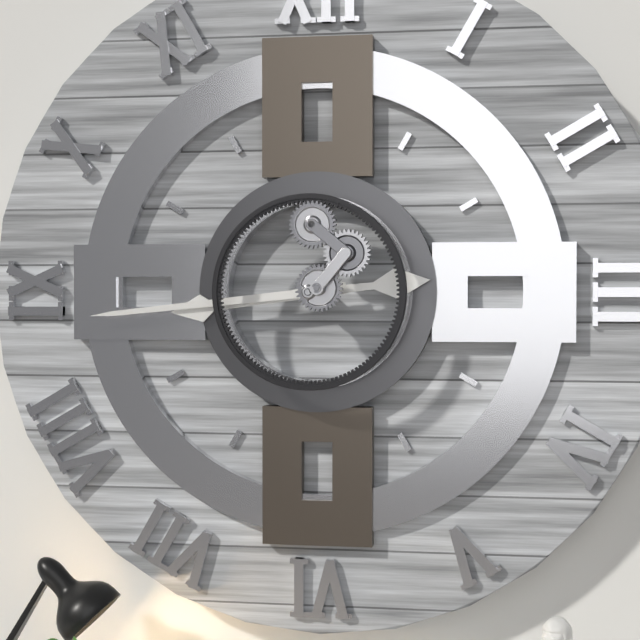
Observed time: 8:44
